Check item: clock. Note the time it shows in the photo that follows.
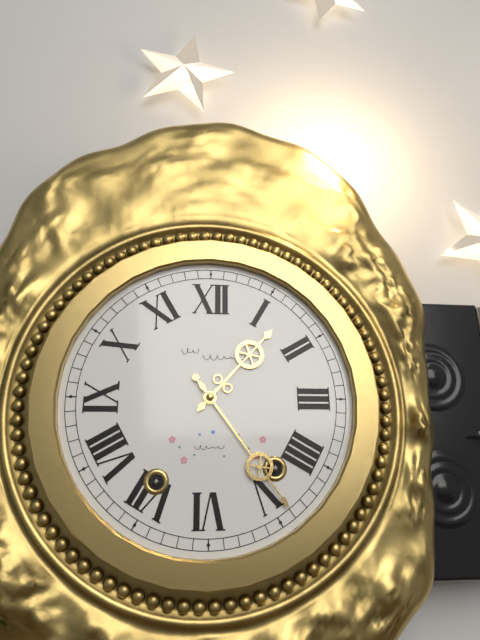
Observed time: 1:24
